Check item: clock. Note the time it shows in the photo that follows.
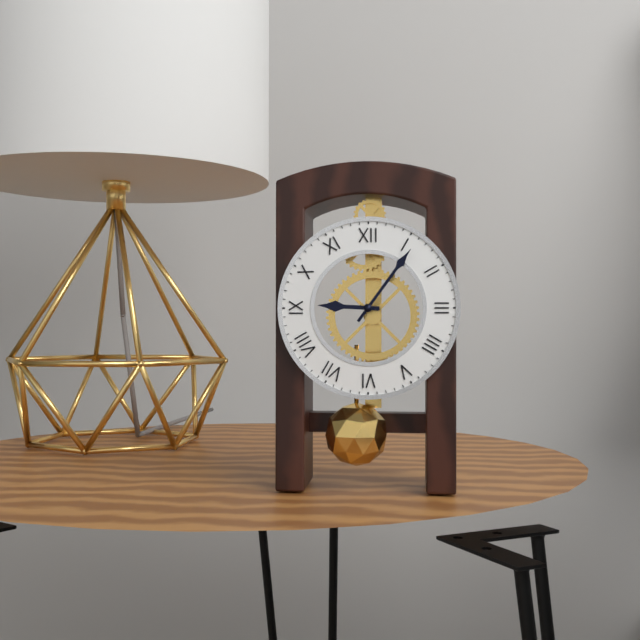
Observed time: 9:06
